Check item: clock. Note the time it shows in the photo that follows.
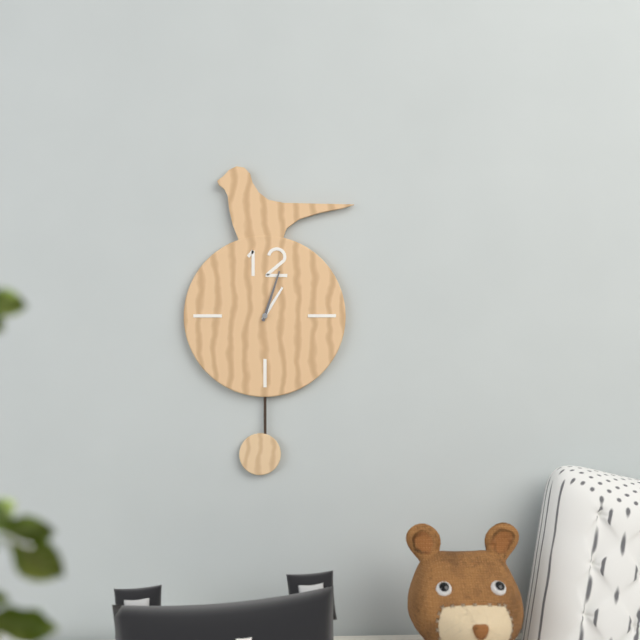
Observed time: 1:03
